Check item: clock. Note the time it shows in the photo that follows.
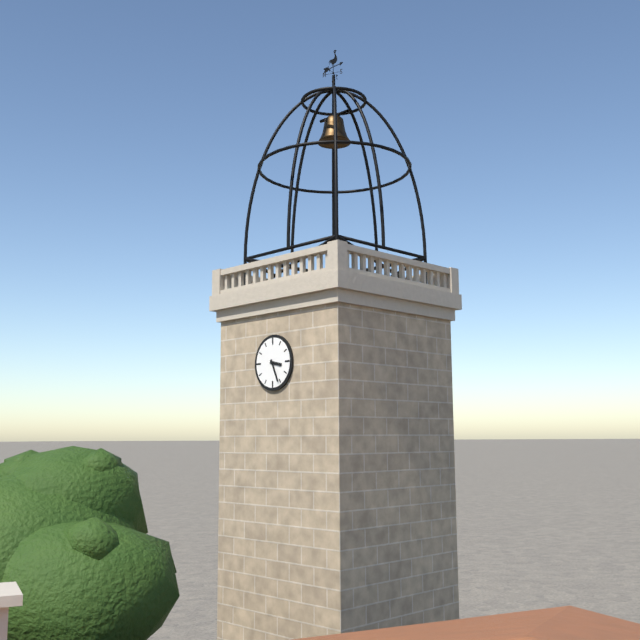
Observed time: 3:26
